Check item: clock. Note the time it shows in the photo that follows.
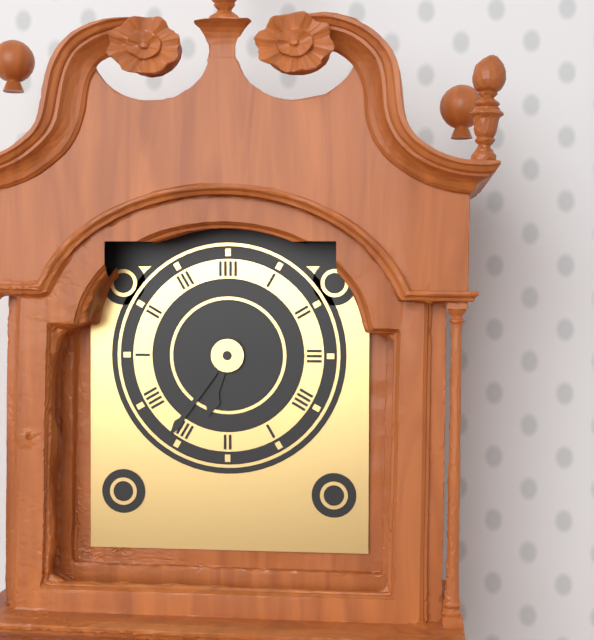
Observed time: 6:36
